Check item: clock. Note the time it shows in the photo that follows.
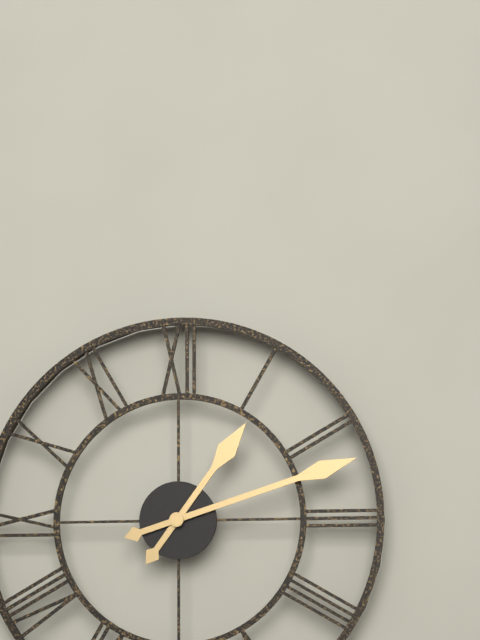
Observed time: 1:12
